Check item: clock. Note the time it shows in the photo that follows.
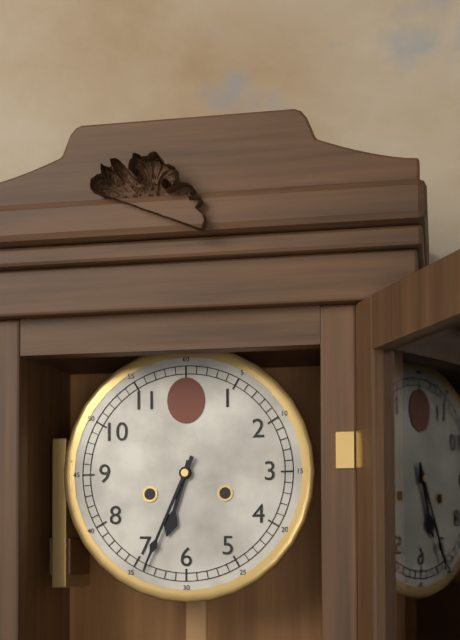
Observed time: 6:34
